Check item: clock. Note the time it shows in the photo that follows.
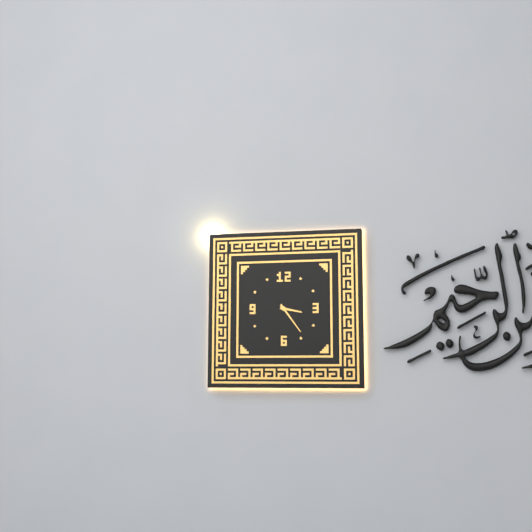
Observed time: 3:24
